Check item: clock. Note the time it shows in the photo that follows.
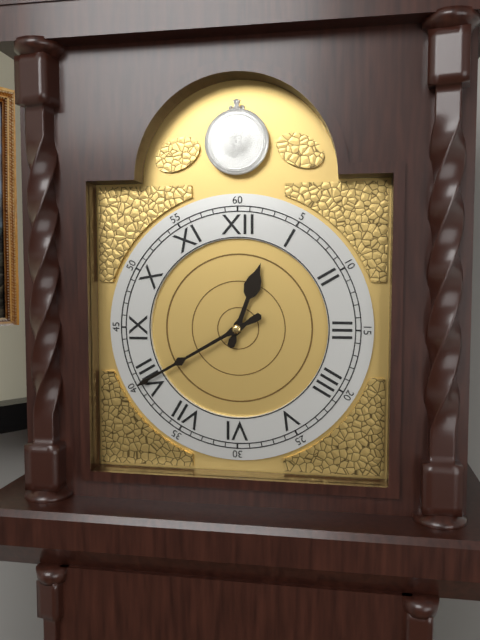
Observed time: 12:40
